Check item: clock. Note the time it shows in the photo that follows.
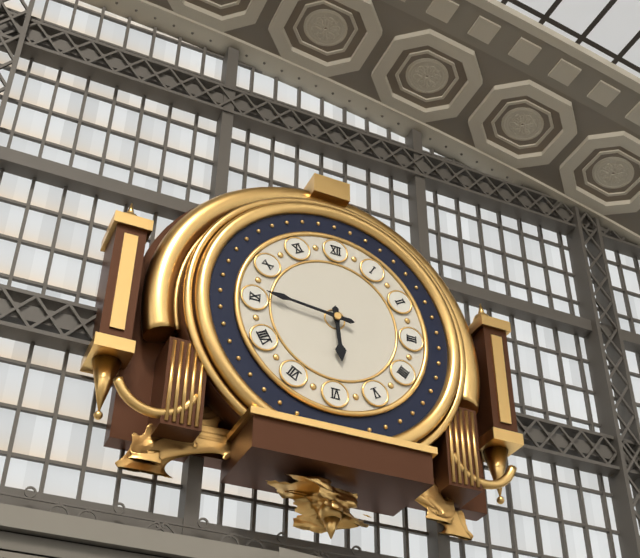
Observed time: 5:46
